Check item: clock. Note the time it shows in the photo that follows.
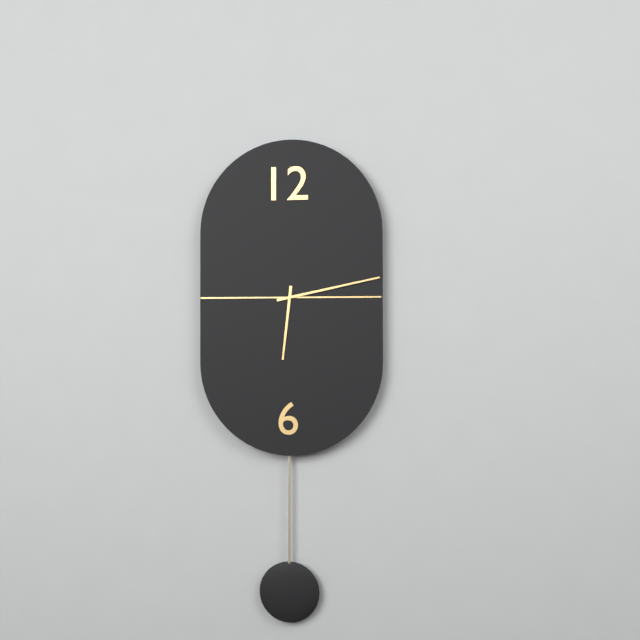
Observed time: 6:13
